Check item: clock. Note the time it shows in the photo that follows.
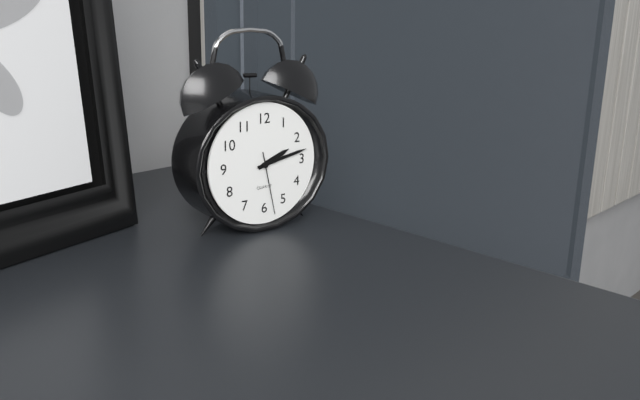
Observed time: 2:13:28
